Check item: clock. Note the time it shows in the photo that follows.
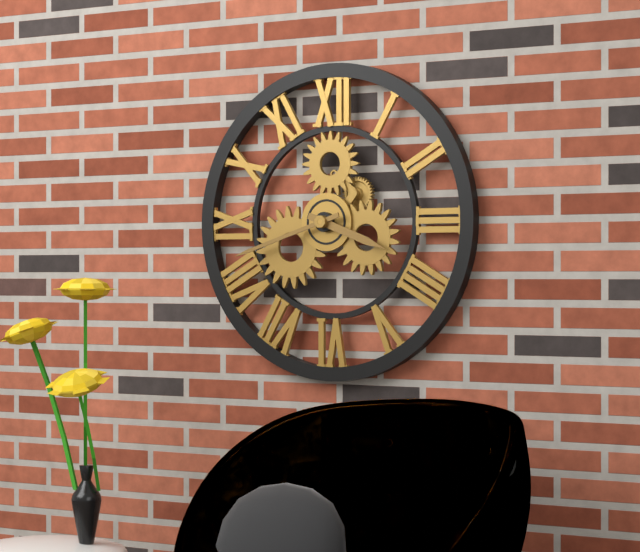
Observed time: 3:42
